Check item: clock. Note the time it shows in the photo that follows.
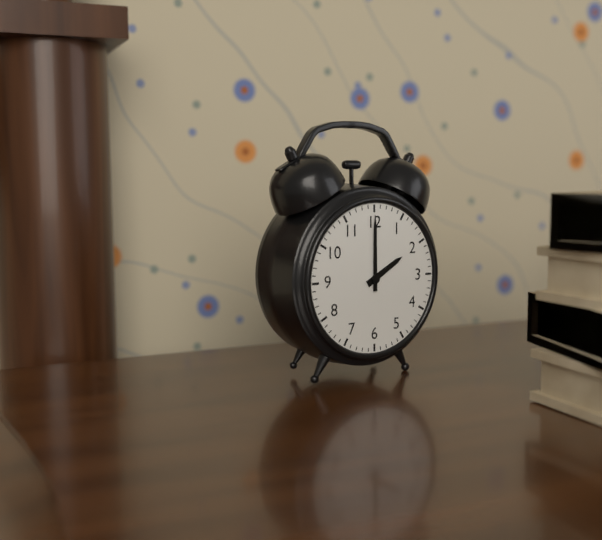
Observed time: 2:00
